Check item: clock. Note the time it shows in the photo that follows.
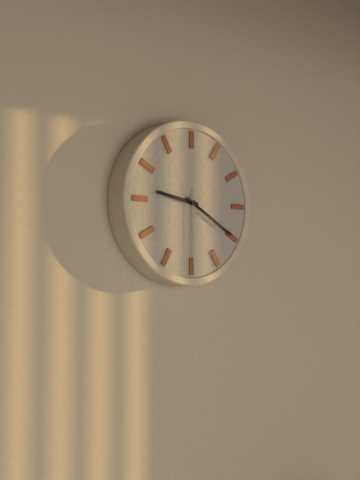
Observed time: 9:20:30
